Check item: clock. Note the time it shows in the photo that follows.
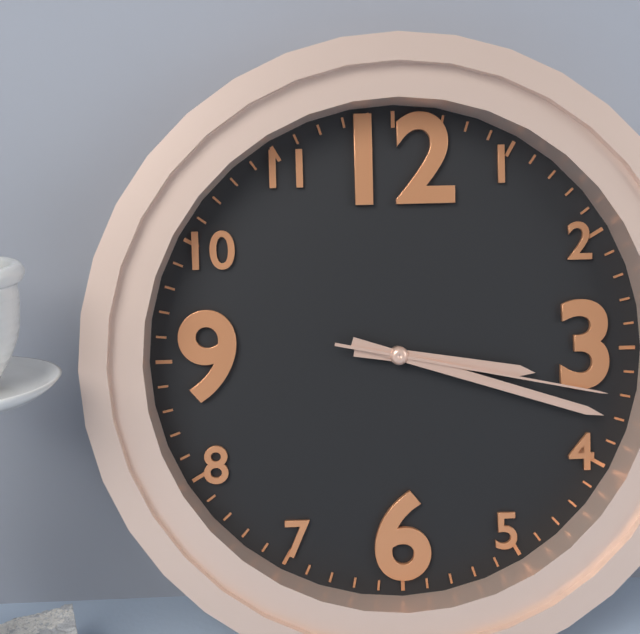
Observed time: 3:18:17
